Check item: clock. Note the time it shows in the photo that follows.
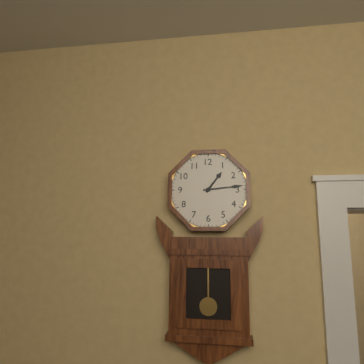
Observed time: 1:14
